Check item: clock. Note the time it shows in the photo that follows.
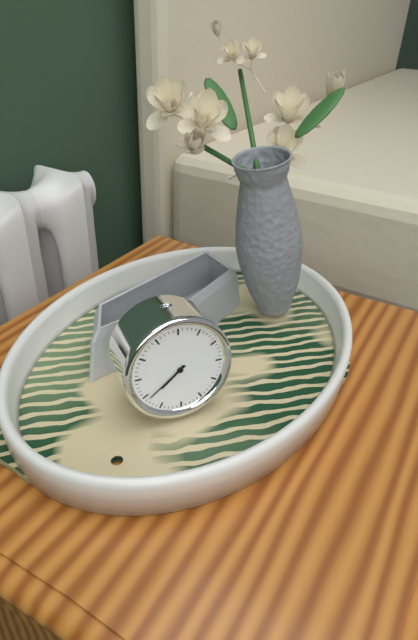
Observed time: 7:39
